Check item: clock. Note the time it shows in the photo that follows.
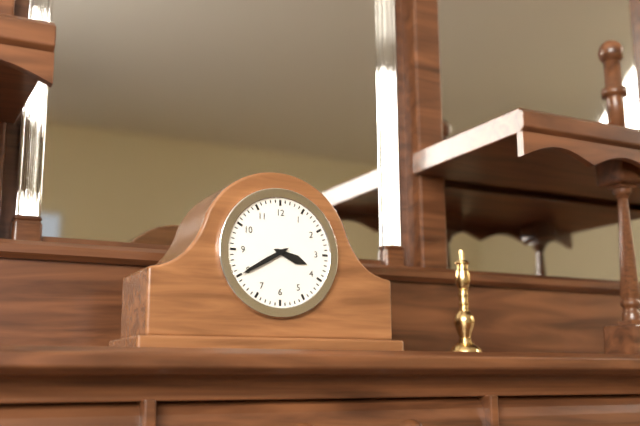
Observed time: 3:40
